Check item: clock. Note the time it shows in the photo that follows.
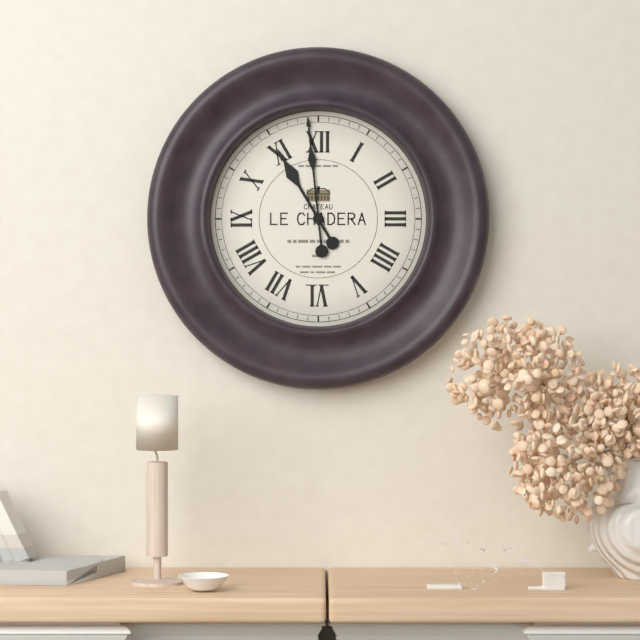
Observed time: 10:59
